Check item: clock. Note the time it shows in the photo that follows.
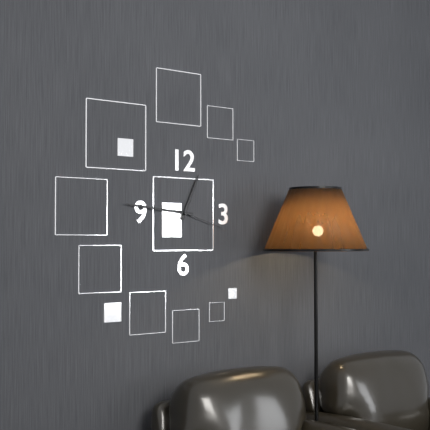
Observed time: 12:46:18
